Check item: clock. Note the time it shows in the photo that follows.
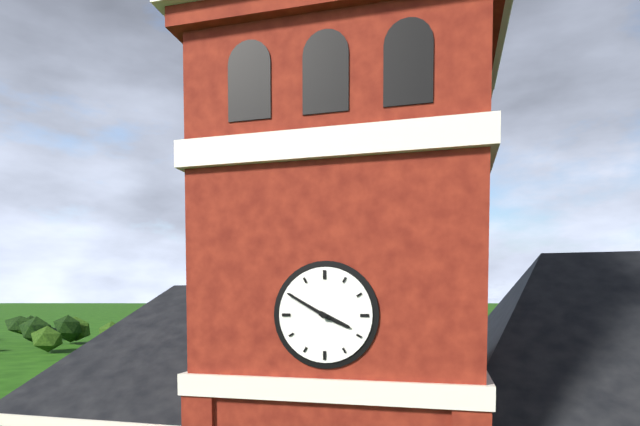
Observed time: 3:50
